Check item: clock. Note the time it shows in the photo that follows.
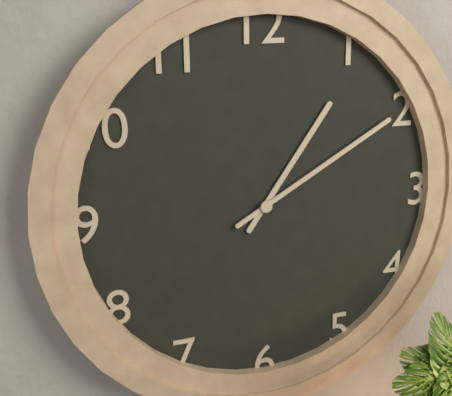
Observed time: 1:10
